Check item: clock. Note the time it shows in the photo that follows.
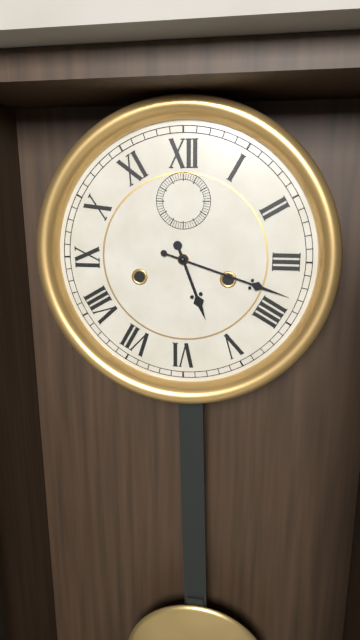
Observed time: 5:18
